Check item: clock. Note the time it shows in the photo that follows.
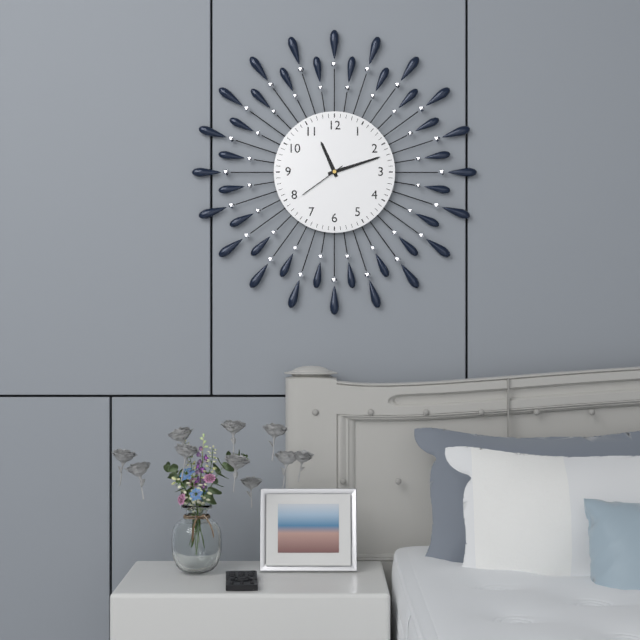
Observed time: 11:12:39
